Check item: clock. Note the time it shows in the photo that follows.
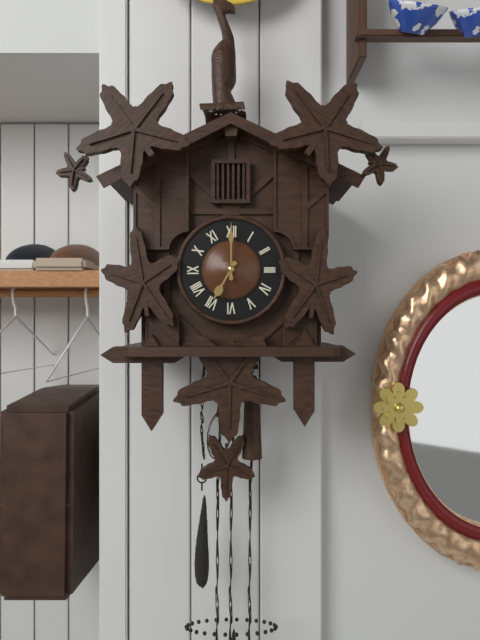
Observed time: 7:00
